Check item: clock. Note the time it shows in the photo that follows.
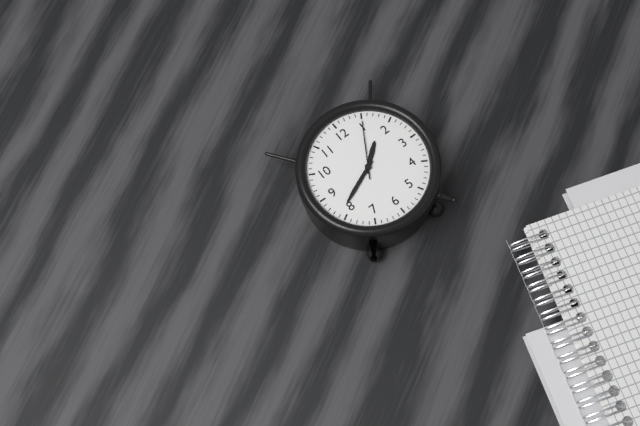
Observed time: 1:41:05
